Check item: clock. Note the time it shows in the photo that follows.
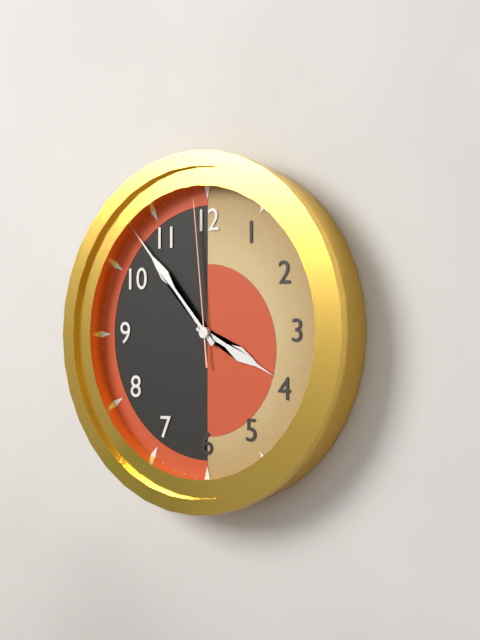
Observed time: 3:53:59
